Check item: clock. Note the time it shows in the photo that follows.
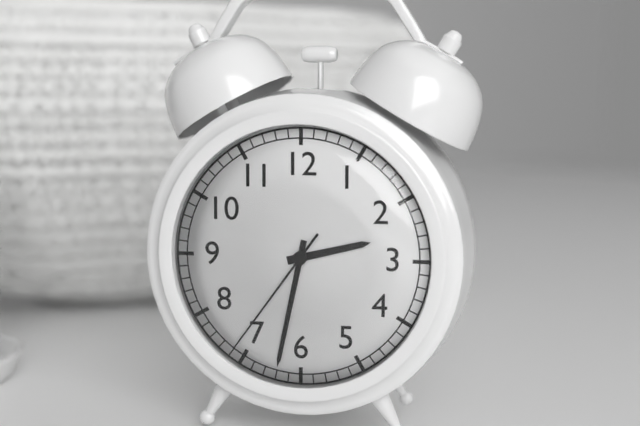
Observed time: 2:32:36
